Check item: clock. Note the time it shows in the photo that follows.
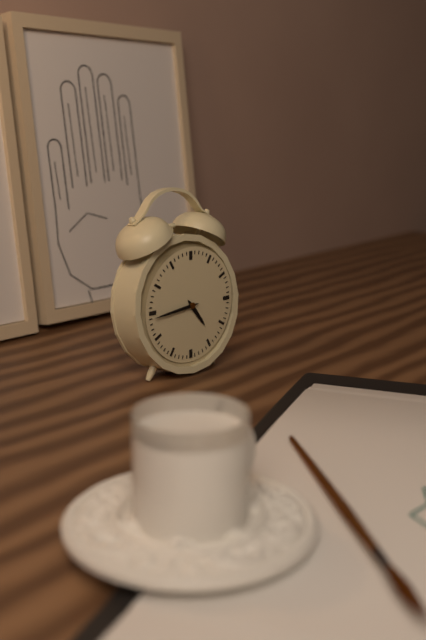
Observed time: 4:44
